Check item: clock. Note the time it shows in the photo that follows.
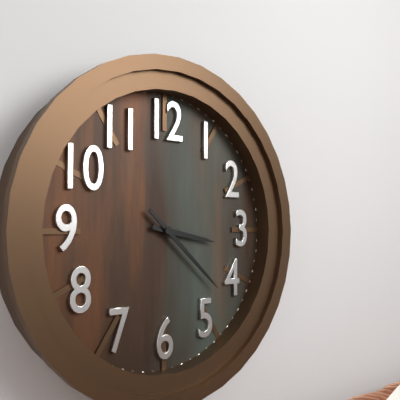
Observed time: 3:22
